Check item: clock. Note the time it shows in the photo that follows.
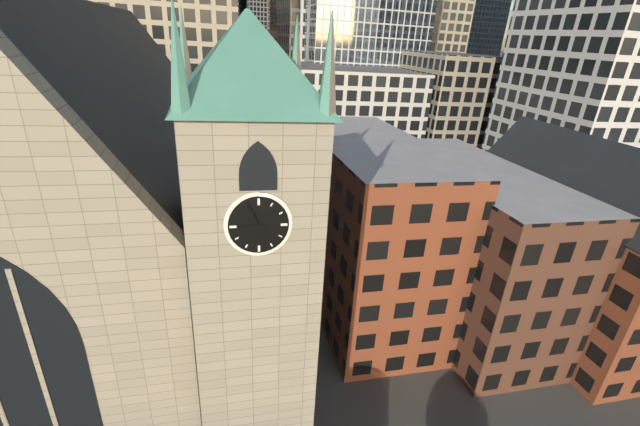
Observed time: 8:56
